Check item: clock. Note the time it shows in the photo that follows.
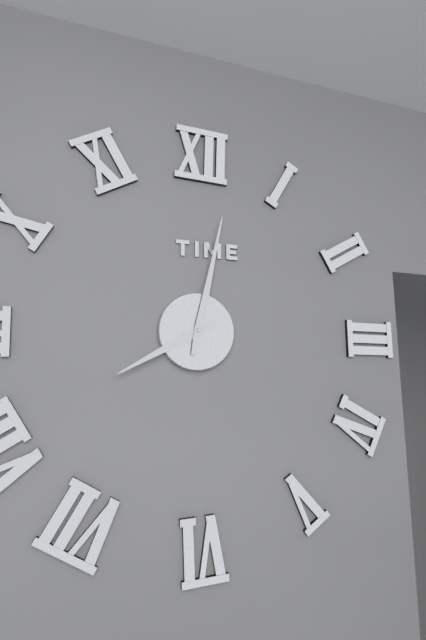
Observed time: 8:02
